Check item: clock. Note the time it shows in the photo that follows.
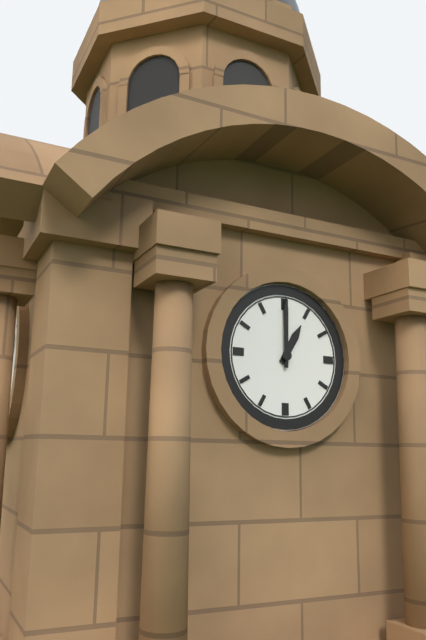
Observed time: 1:00
